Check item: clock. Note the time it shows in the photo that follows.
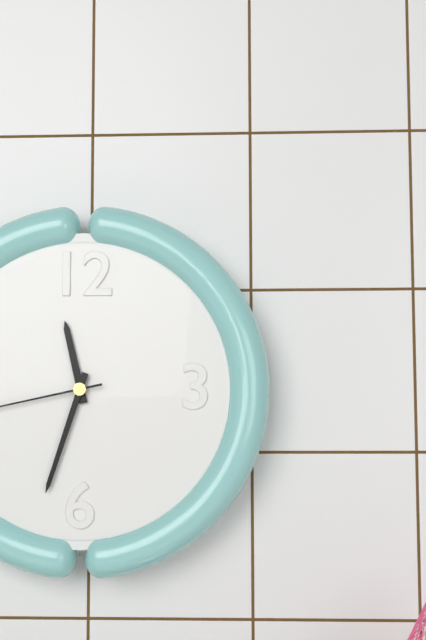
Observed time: 11:33
